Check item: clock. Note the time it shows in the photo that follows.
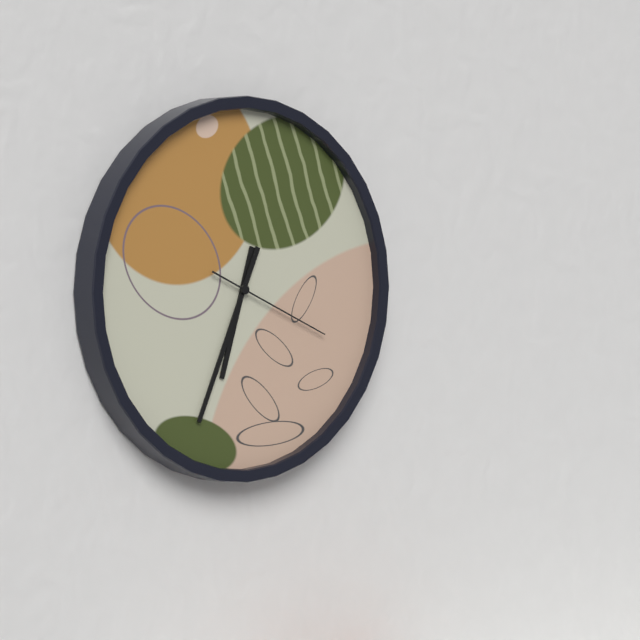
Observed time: 6:34:19
